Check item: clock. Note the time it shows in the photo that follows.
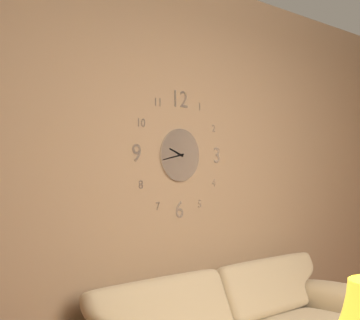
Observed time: 9:43
